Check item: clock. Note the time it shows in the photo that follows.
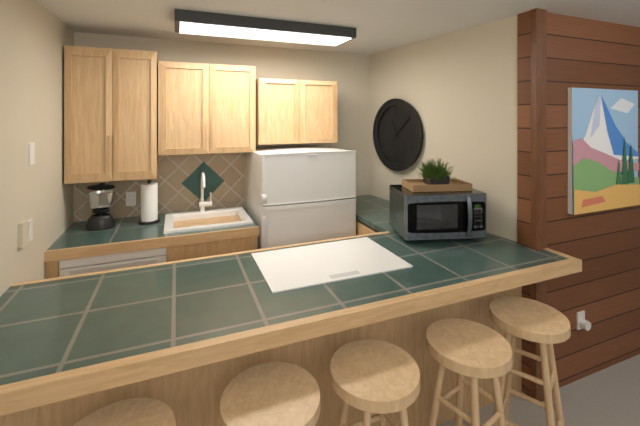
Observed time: 11:08
